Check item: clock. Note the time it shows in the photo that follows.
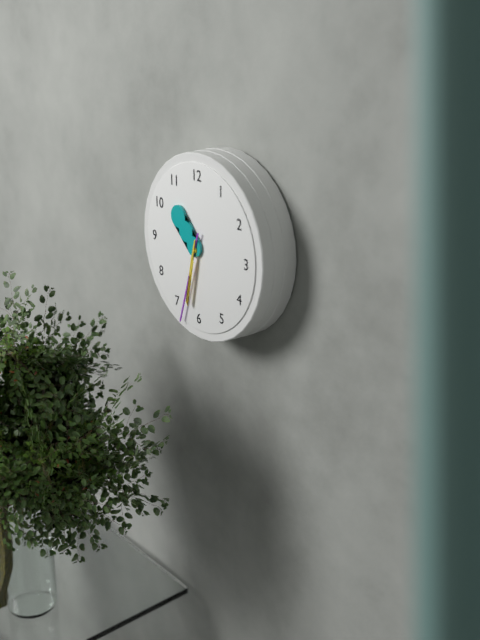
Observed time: 10:33:32
